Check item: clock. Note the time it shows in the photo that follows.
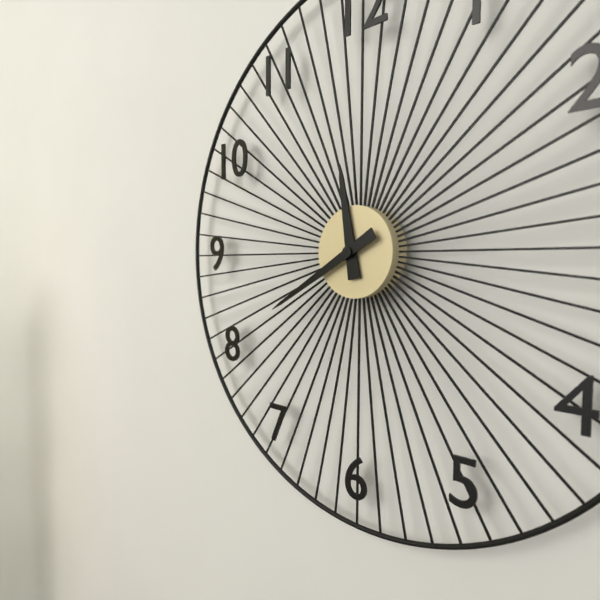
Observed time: 11:40
